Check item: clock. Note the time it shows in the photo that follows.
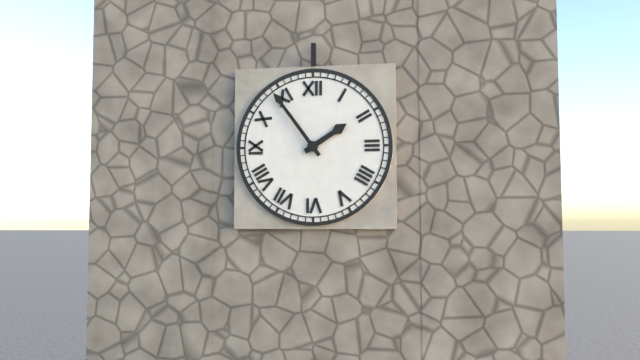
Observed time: 1:54
